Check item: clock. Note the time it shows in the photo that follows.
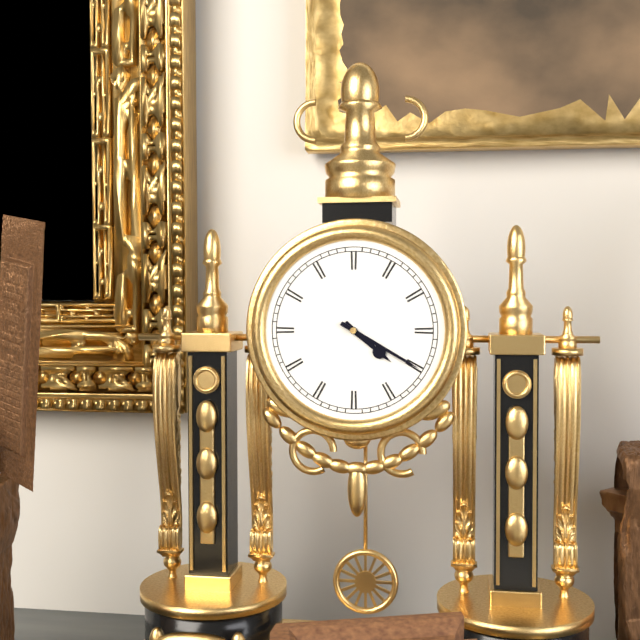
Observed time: 4:20
